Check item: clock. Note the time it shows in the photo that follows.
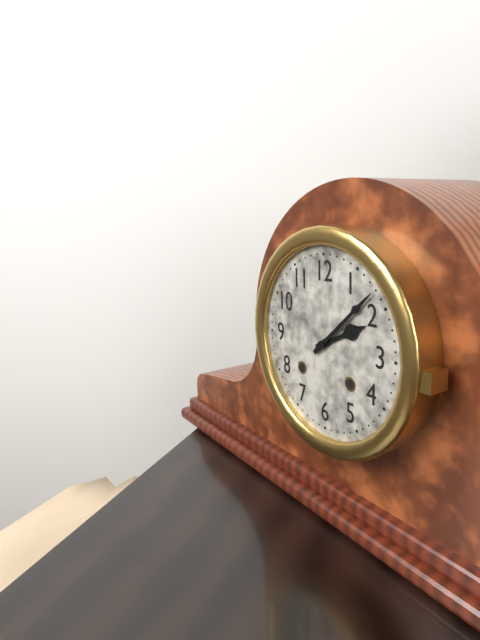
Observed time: 2:08
